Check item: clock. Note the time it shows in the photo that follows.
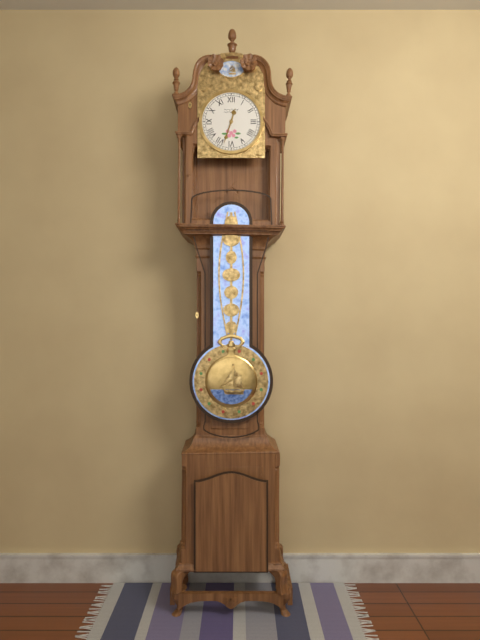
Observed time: 12:33
